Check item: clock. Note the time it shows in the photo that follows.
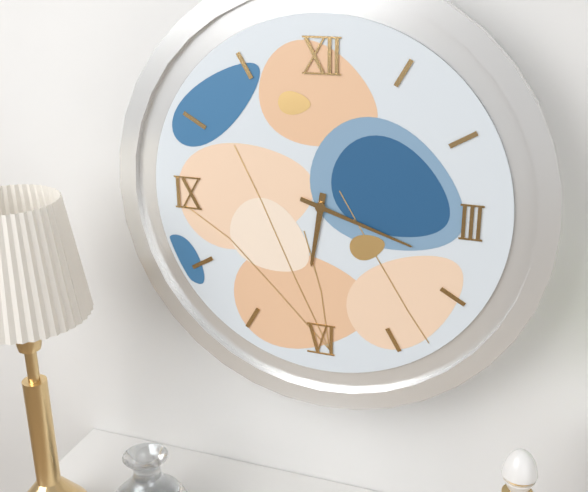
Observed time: 6:18
